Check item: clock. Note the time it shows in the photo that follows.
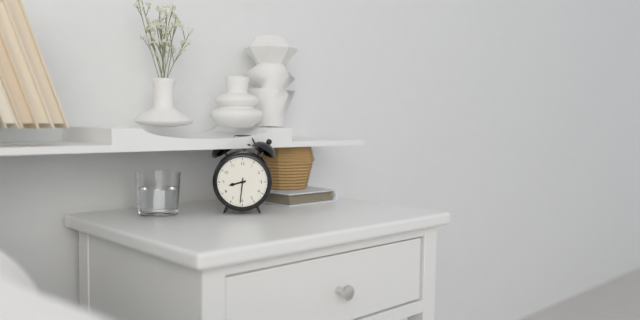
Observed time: 8:31
